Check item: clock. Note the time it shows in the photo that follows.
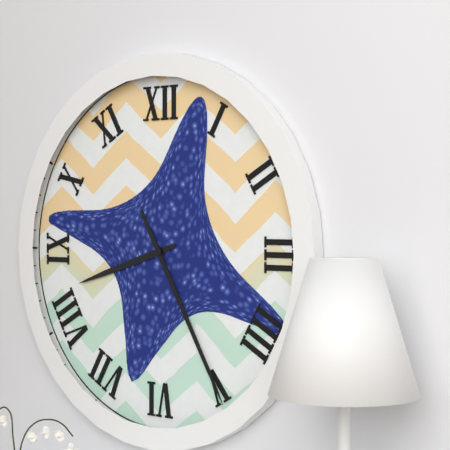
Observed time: 8:25
